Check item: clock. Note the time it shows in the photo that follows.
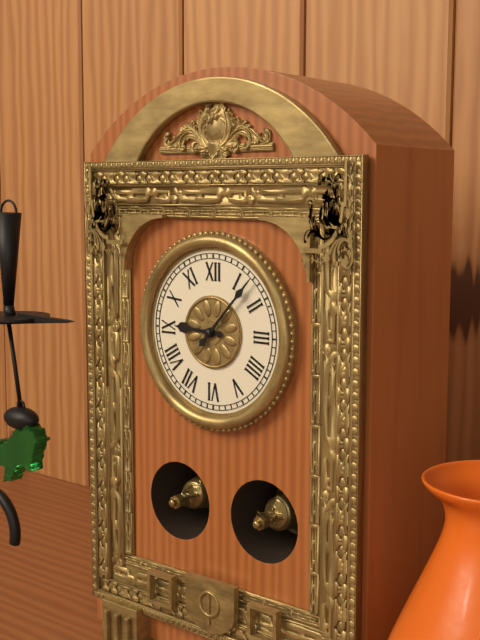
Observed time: 9:07
